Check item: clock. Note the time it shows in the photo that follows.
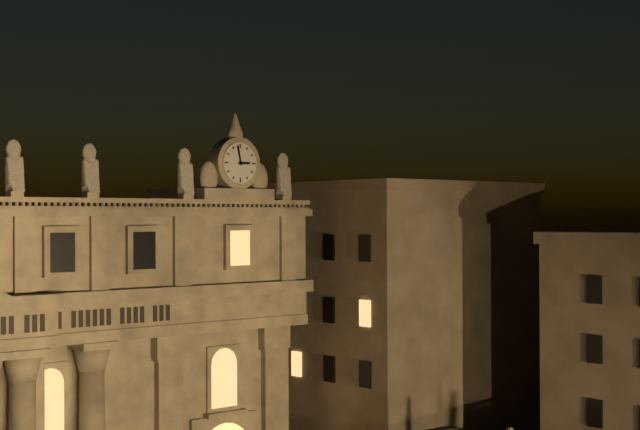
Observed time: 2:58
